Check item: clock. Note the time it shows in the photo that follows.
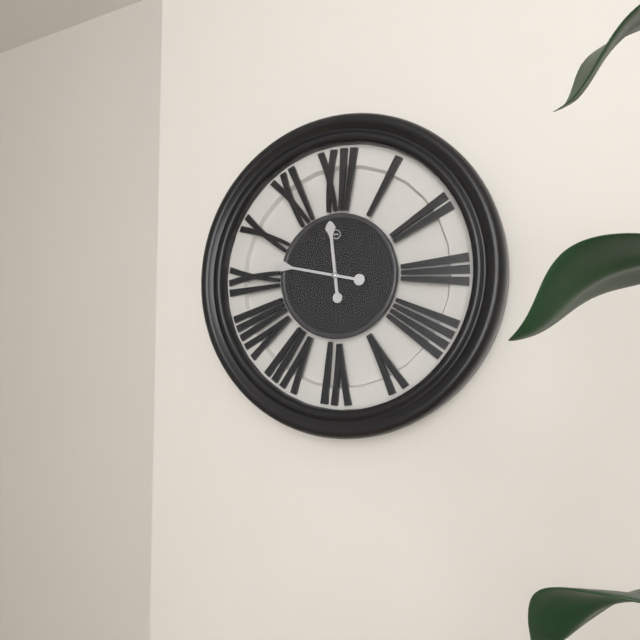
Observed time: 11:47
